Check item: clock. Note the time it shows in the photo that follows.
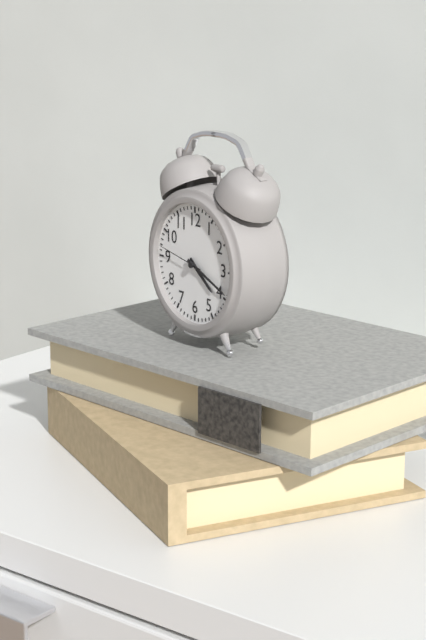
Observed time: 4:19
